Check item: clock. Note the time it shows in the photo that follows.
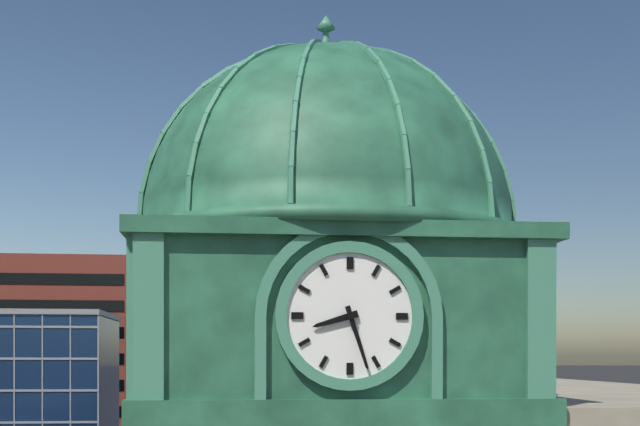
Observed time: 8:27
